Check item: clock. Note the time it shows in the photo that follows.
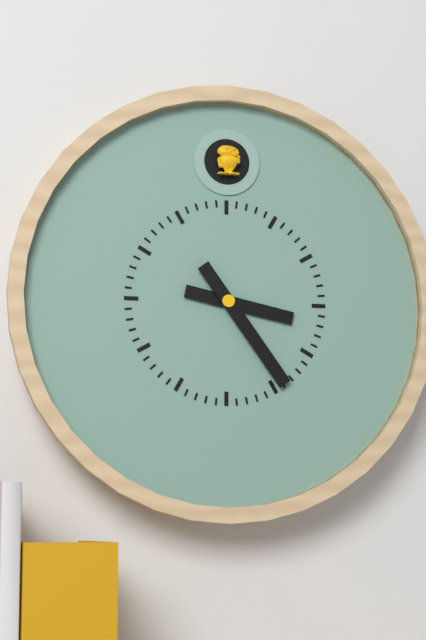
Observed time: 3:24
